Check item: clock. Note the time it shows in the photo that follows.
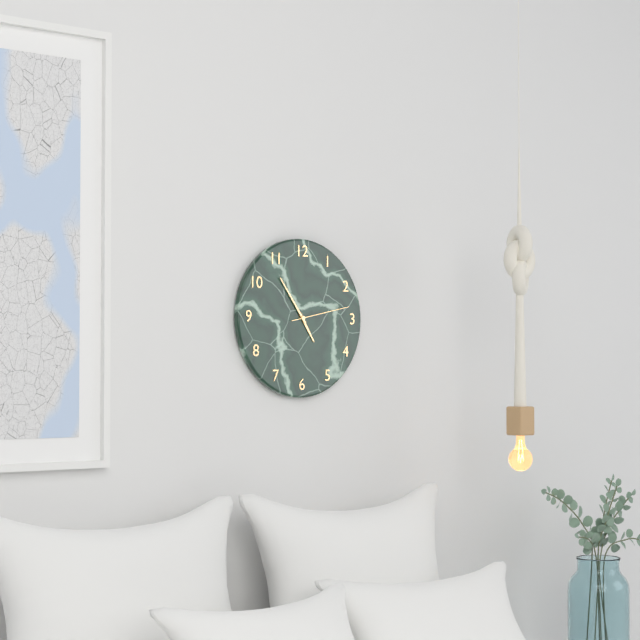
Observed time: 4:54:13
